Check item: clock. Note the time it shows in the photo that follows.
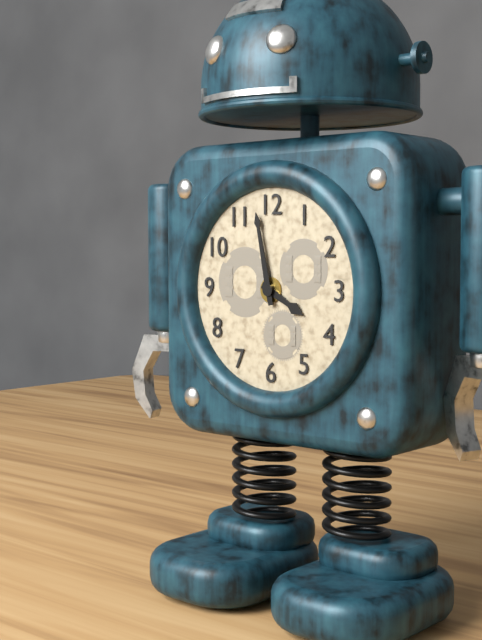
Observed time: 3:58
